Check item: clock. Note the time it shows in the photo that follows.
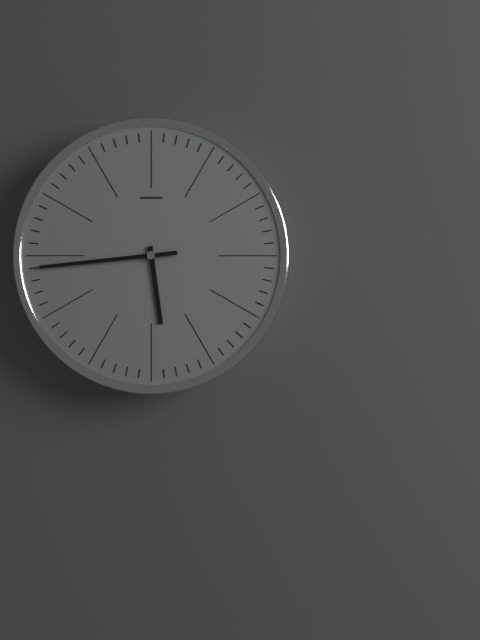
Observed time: 5:44
